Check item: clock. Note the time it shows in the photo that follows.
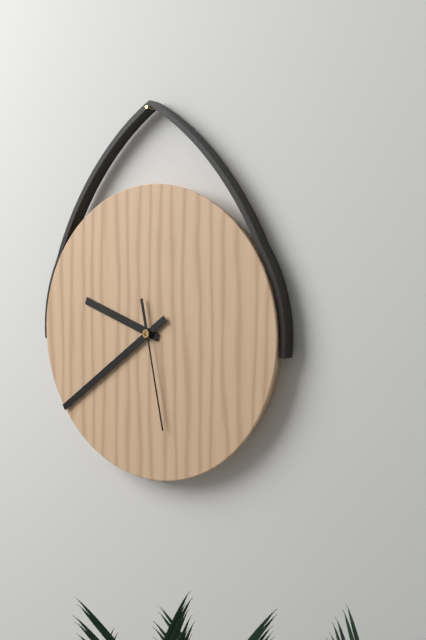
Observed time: 9:39:28
